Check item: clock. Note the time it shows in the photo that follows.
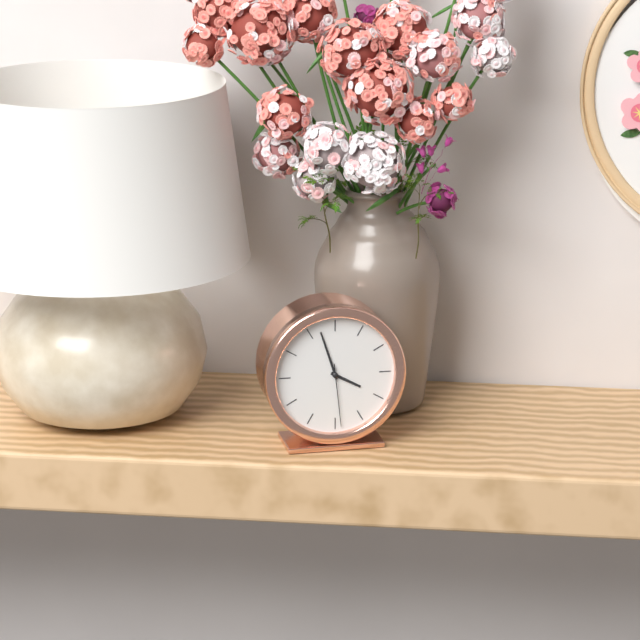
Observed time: 3:57:29
